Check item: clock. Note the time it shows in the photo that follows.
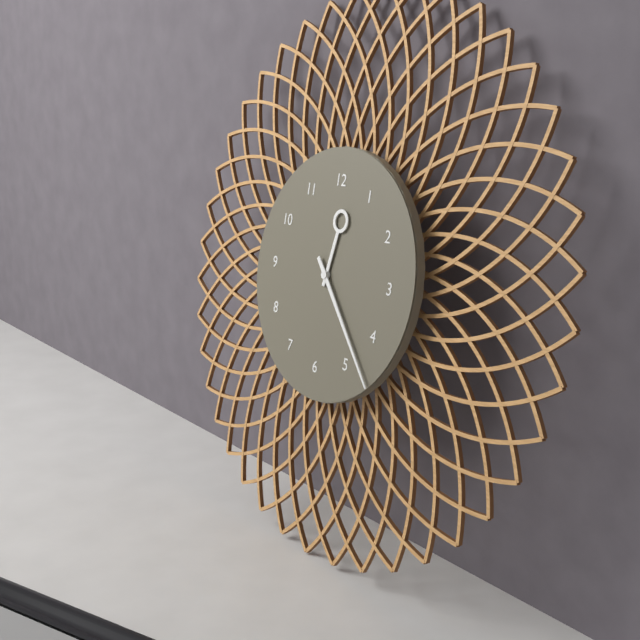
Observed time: 12:23
